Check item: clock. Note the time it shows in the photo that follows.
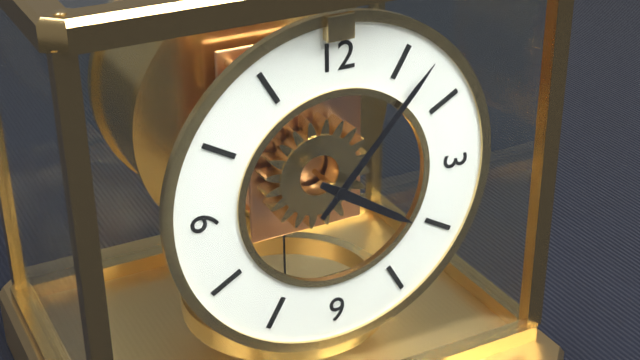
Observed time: 4:07
